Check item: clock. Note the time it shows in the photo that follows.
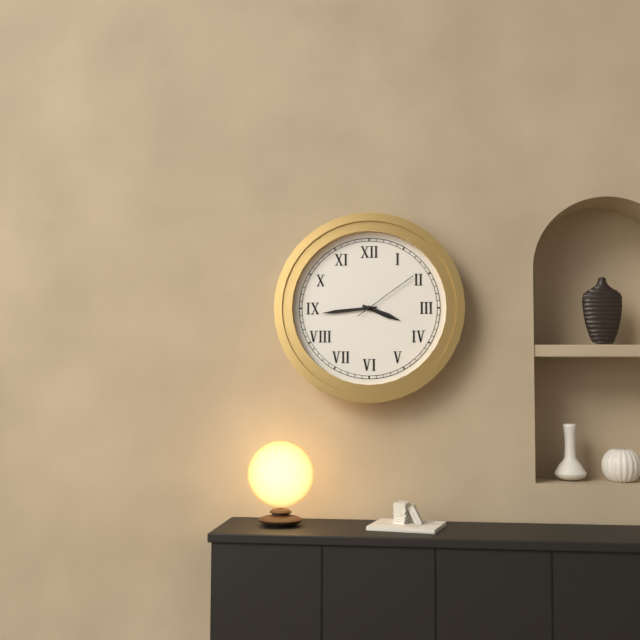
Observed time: 3:44:09
